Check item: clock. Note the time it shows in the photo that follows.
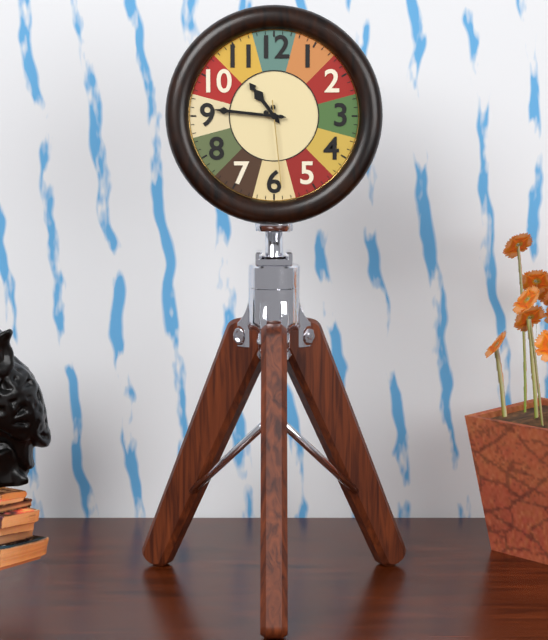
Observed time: 10:46:29
